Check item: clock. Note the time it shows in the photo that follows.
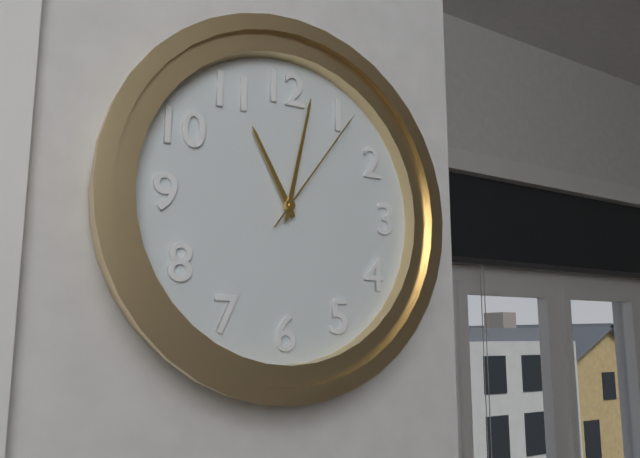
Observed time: 11:02:06
